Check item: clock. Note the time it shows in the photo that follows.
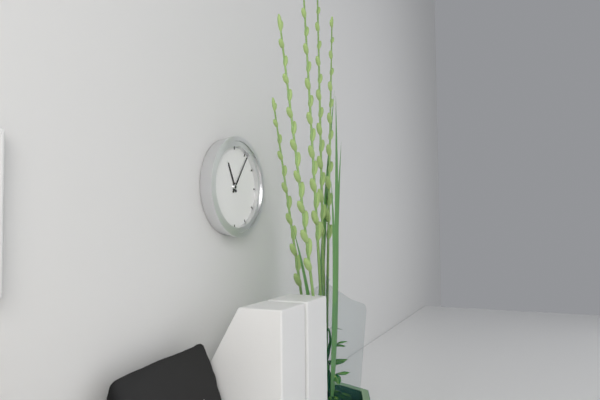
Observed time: 11:06
